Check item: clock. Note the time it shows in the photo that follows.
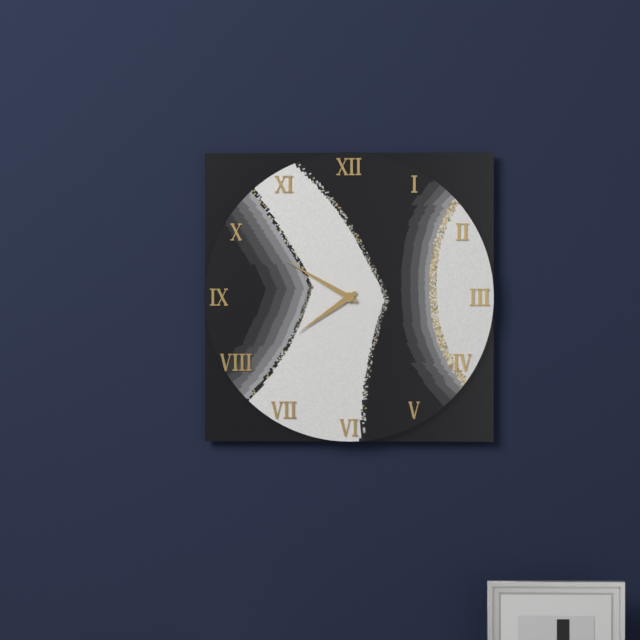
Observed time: 7:50
